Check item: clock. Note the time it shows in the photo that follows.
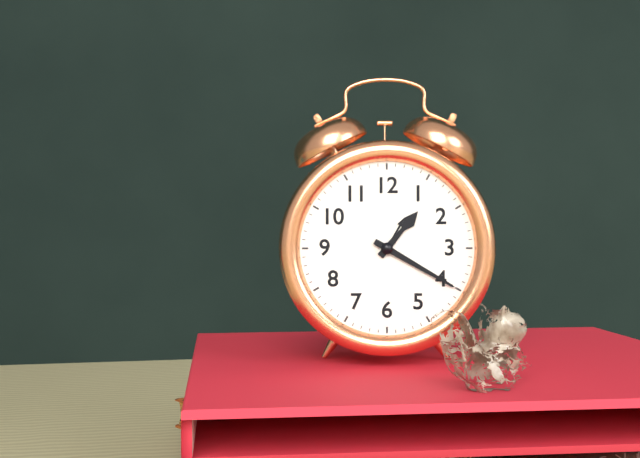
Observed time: 1:20
